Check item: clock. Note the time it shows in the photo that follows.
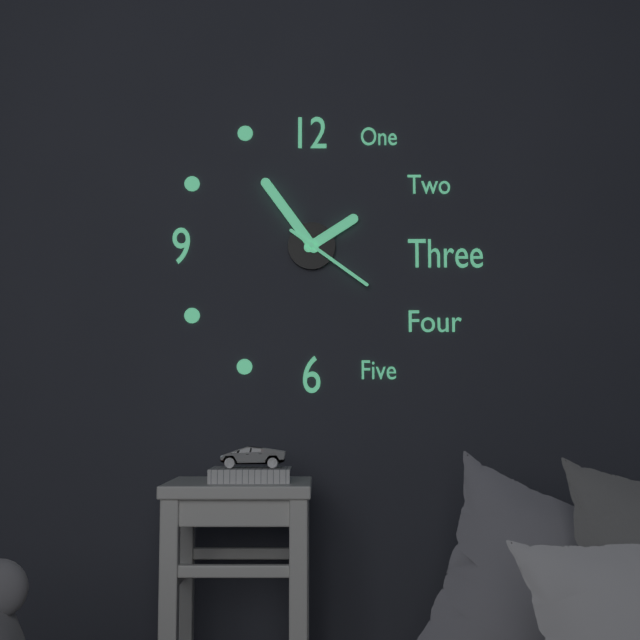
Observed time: 1:54:21
